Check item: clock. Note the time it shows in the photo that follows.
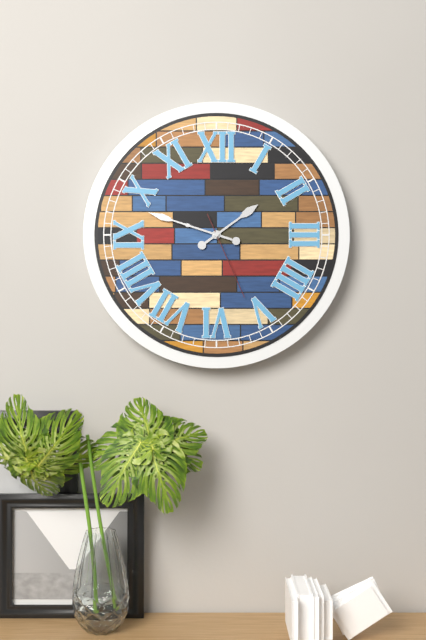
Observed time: 1:48:26
